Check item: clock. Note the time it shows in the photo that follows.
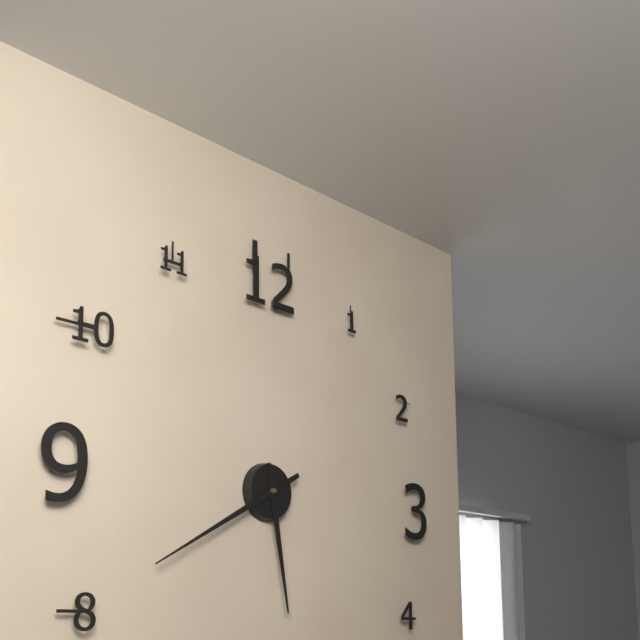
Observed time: 5:40
